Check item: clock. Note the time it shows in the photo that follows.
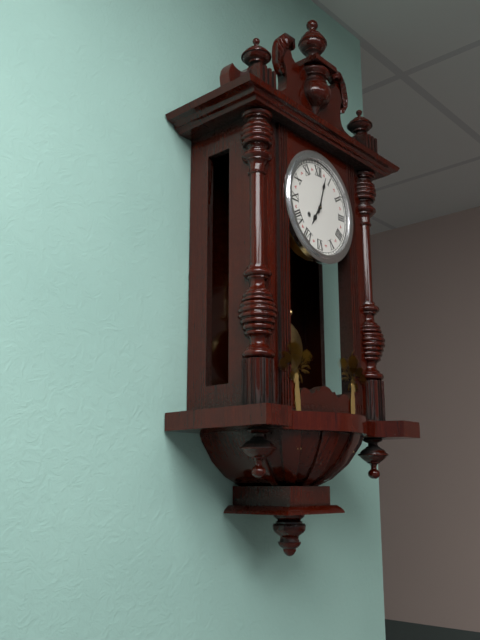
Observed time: 7:03
